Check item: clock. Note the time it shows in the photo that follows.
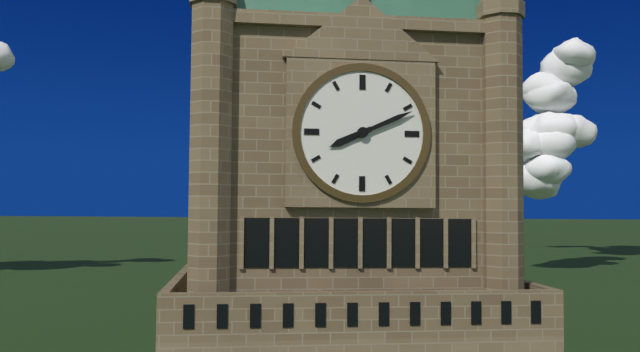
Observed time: 8:11
